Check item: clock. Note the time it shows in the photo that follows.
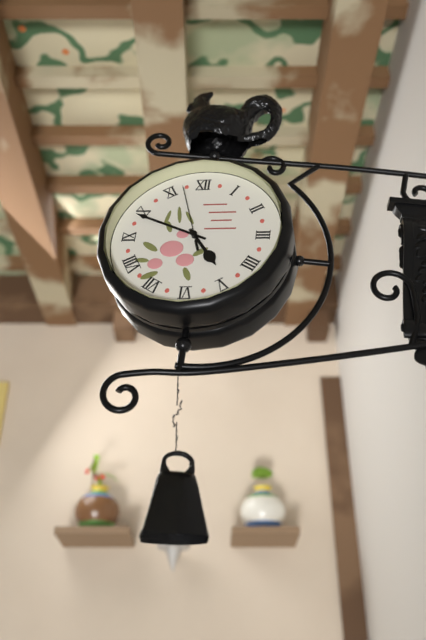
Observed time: 4:49:57
